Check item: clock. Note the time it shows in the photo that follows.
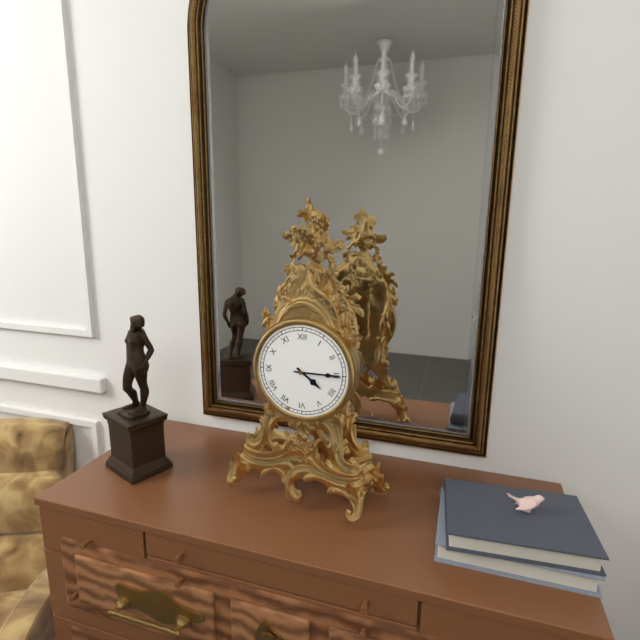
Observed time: 4:15
